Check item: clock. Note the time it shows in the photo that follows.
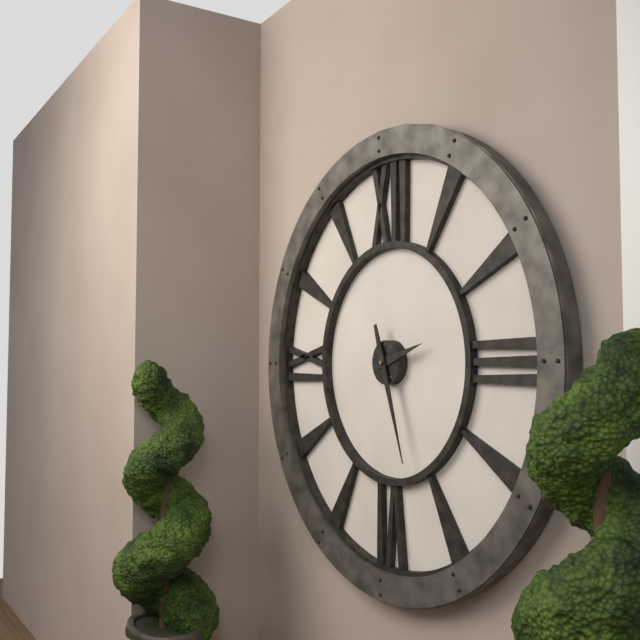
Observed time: 2:27
